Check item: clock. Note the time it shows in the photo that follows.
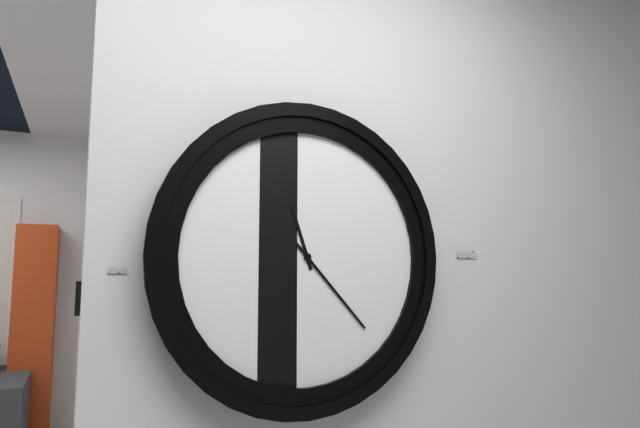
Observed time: 11:23
